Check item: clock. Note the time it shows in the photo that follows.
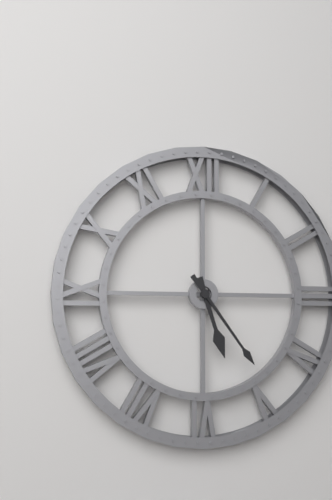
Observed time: 5:24
